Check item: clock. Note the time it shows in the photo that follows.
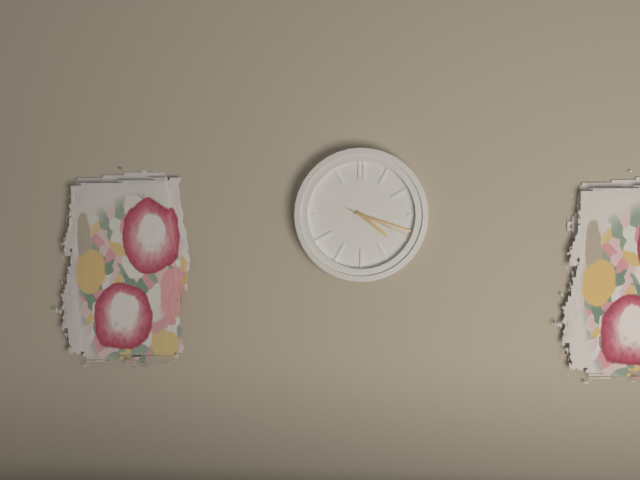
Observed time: 4:18:19
